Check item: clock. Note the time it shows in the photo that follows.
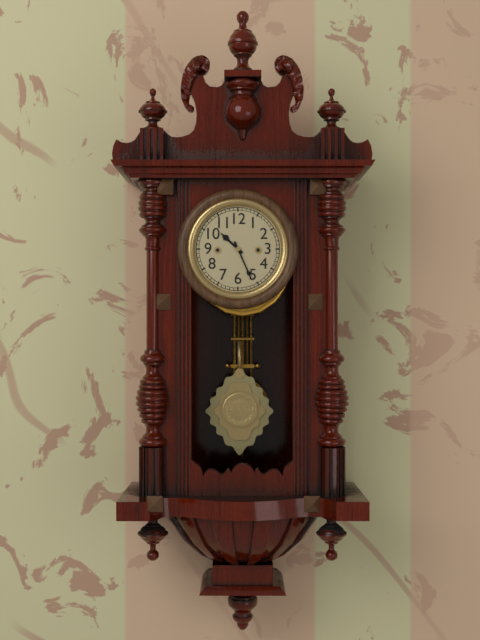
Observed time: 10:26
